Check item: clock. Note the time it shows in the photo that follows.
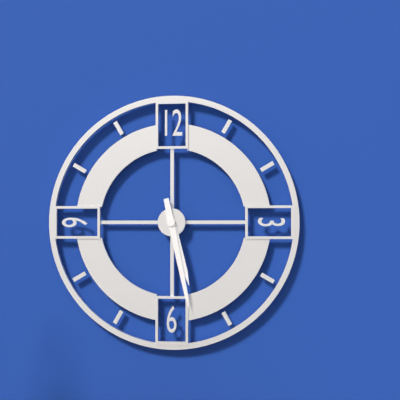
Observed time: 5:28
